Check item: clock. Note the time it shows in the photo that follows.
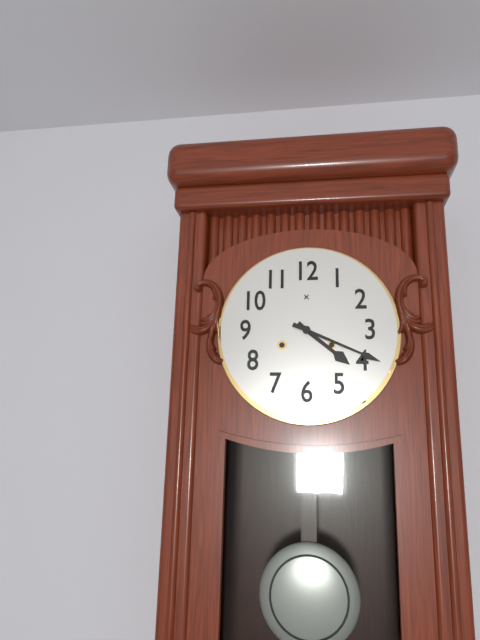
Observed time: 4:19
